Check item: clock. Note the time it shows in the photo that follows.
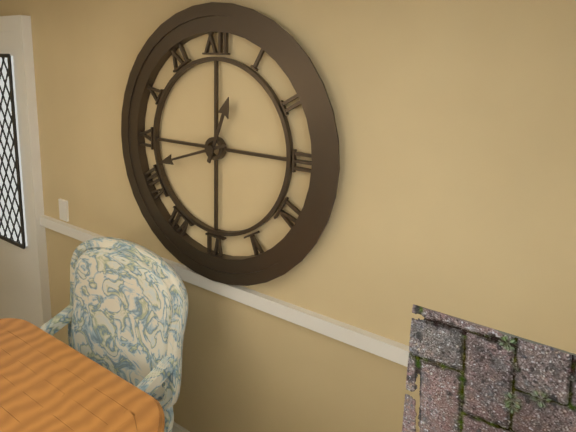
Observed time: 12:42
